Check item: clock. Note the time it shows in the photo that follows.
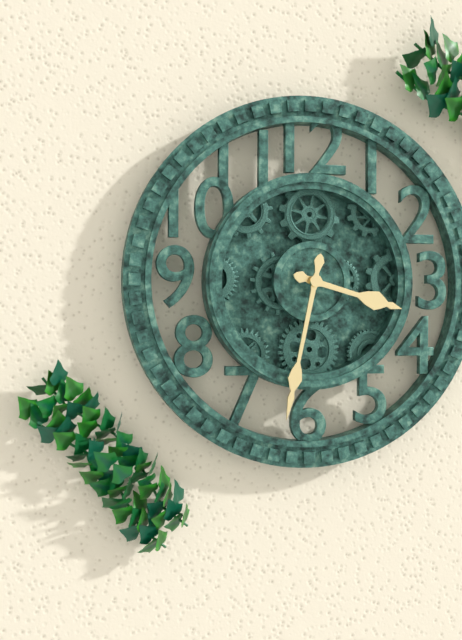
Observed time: 3:32
